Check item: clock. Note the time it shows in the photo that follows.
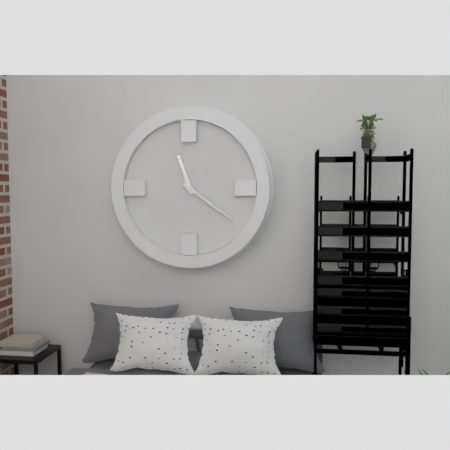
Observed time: 11:21
